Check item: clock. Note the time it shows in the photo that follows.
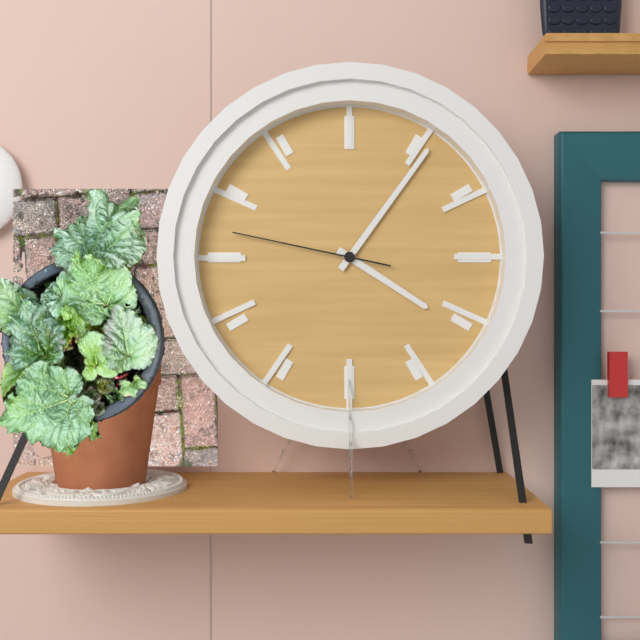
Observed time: 4:06:47
